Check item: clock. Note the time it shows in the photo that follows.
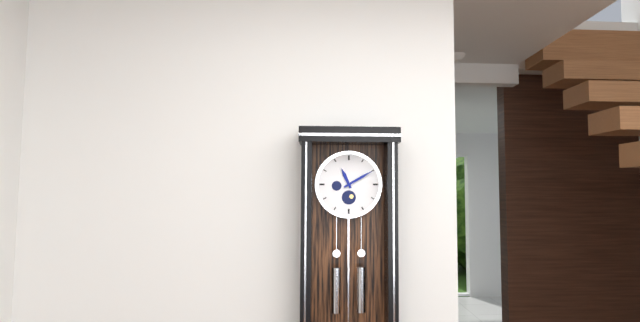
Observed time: 11:10
